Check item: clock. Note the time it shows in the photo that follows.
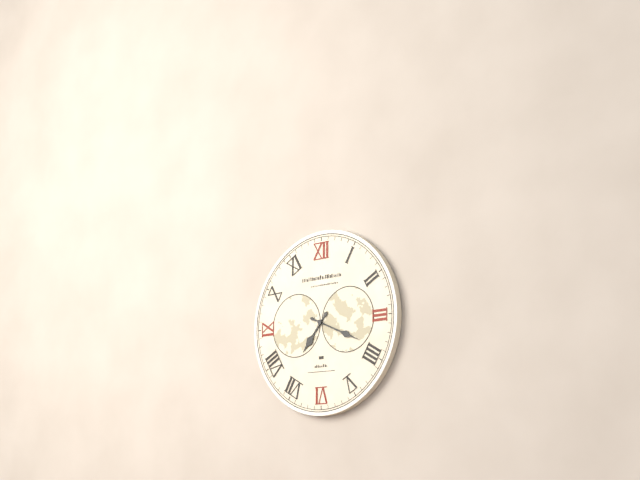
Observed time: 7:19
